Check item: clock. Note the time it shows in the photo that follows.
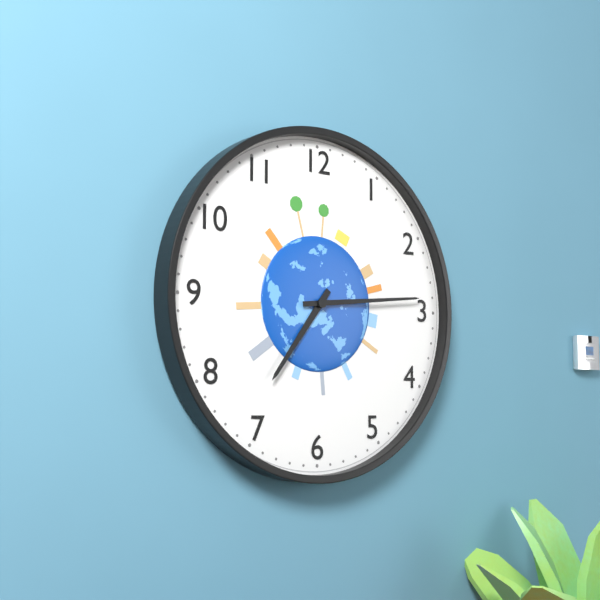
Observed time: 7:14
